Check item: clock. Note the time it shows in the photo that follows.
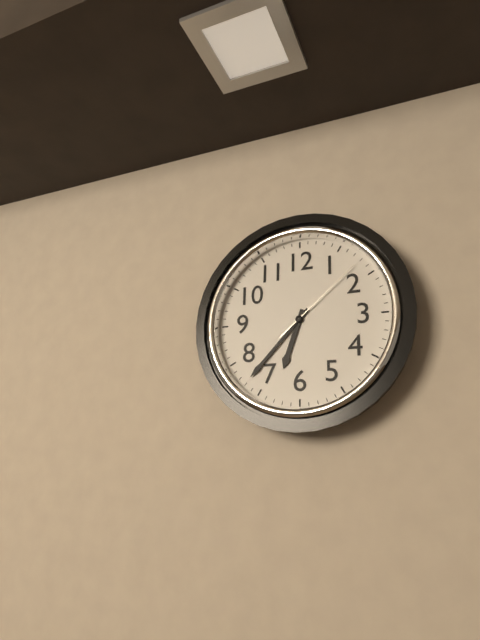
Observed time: 6:37:08
